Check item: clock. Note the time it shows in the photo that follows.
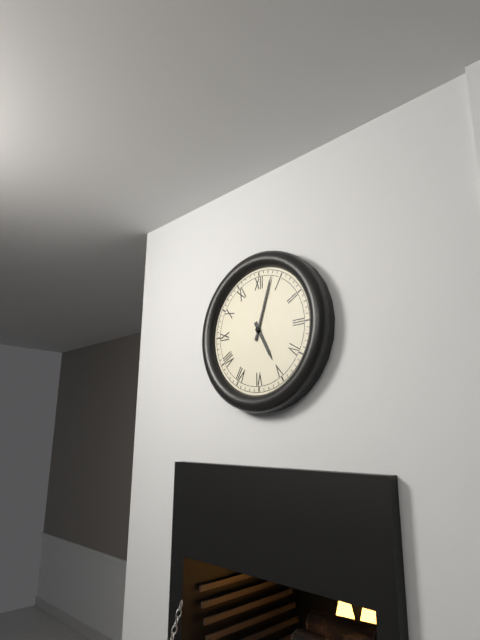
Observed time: 5:03
